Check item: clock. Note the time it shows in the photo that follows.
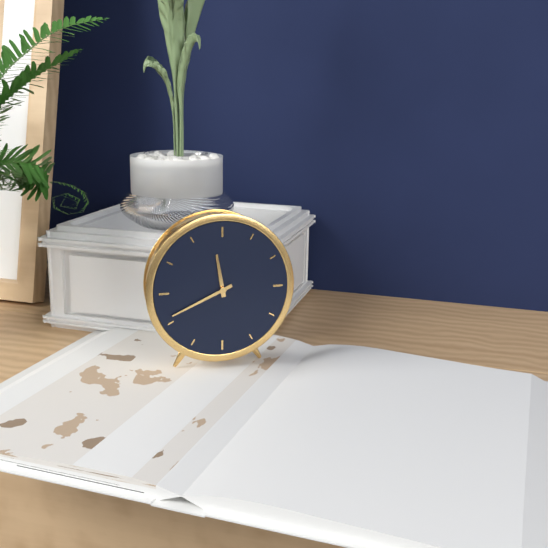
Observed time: 11:41
